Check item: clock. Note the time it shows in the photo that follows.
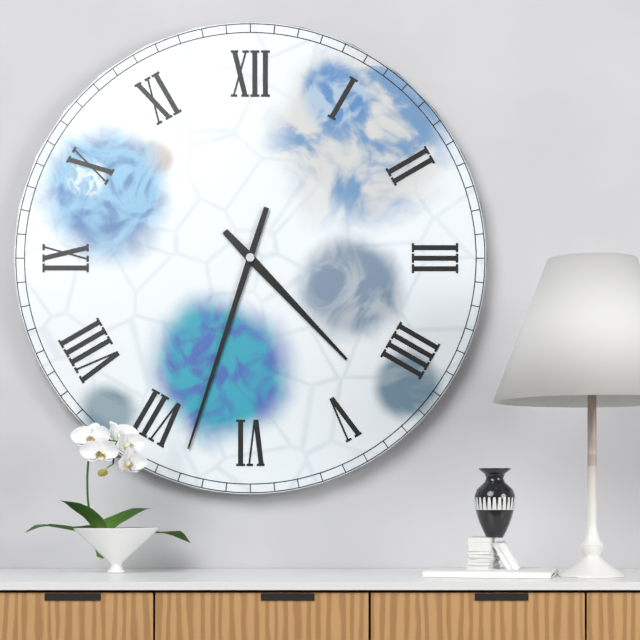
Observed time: 4:33
